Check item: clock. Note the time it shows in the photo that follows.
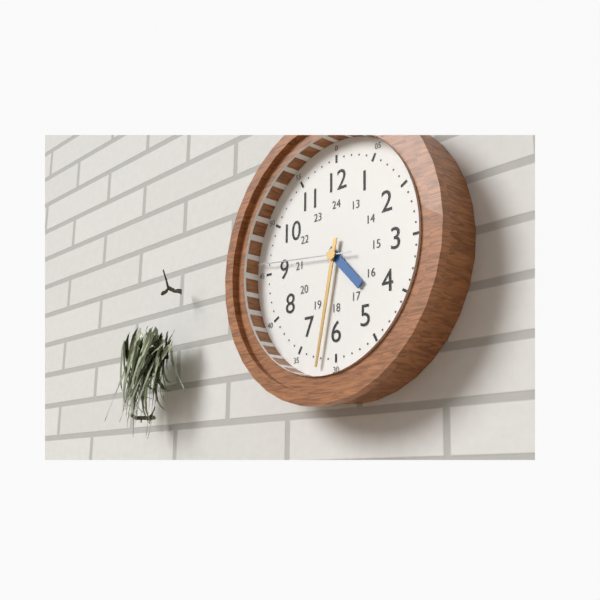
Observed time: 4:32:46
